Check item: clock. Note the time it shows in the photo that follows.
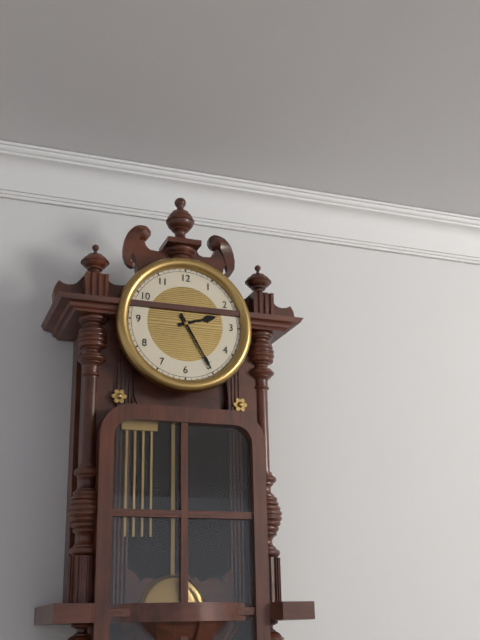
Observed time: 2:25
